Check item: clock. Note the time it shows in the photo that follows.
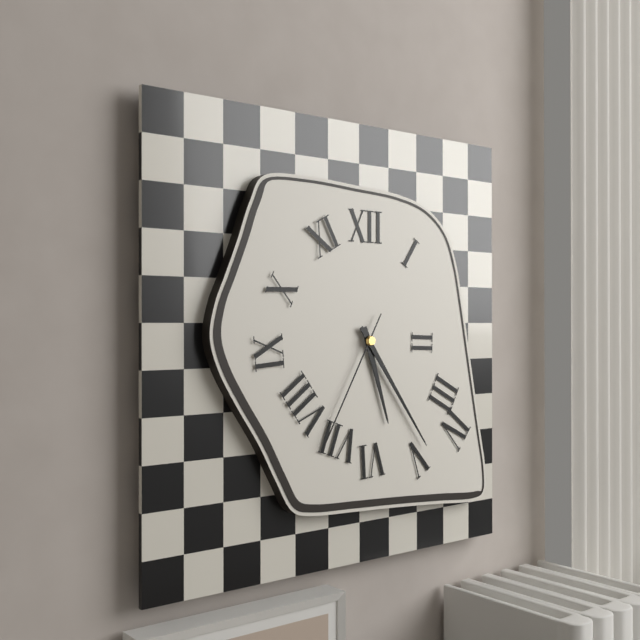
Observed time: 5:24:35
